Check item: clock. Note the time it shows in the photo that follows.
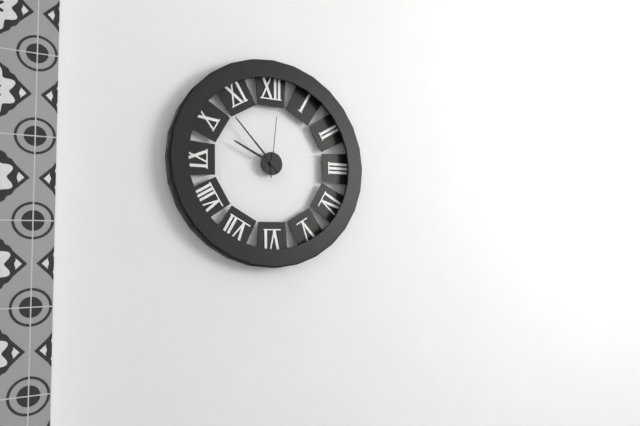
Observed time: 9:53:01
